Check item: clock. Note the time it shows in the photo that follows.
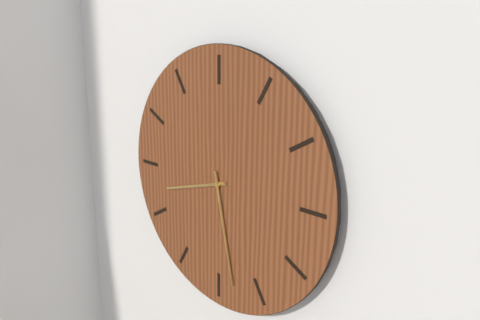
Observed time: 8:28
